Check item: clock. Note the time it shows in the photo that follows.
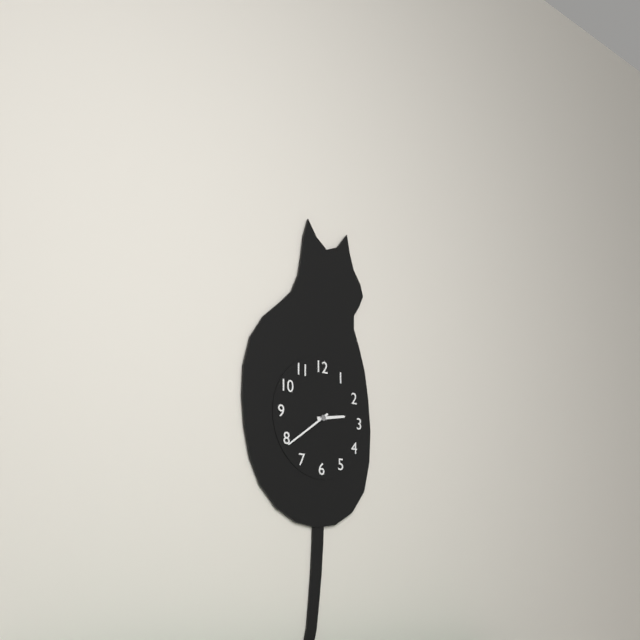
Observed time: 2:39
